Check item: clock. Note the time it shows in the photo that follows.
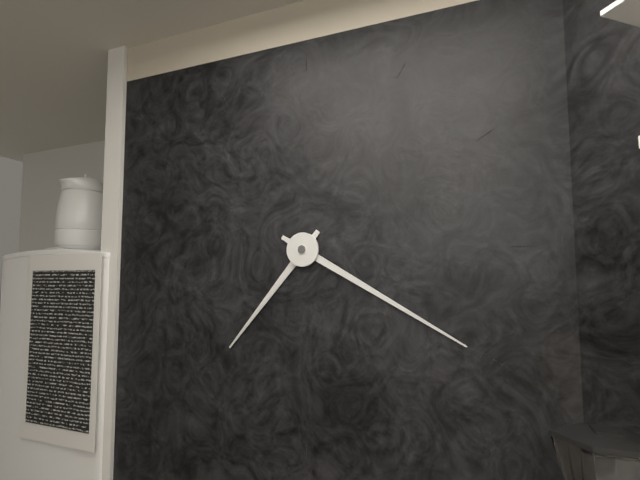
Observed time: 7:20
